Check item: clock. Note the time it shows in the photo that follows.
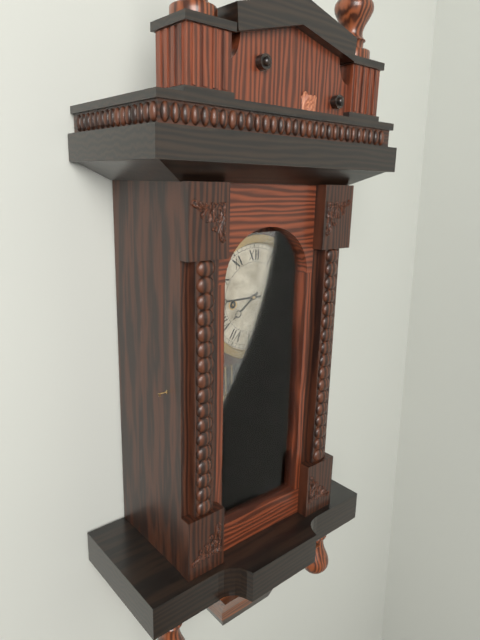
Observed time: 7:45
